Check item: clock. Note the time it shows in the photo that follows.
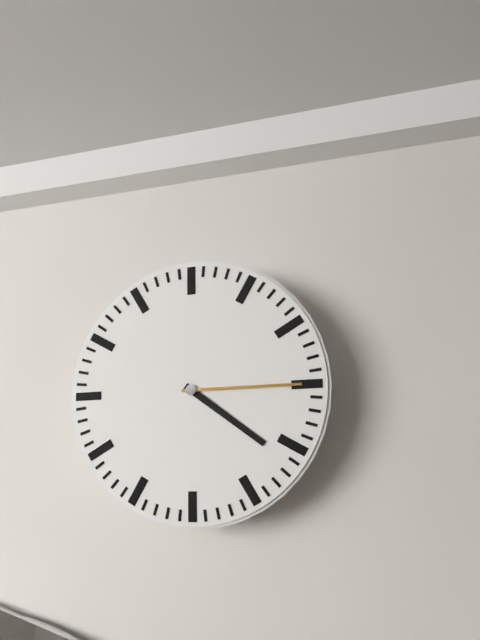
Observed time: 4:15
